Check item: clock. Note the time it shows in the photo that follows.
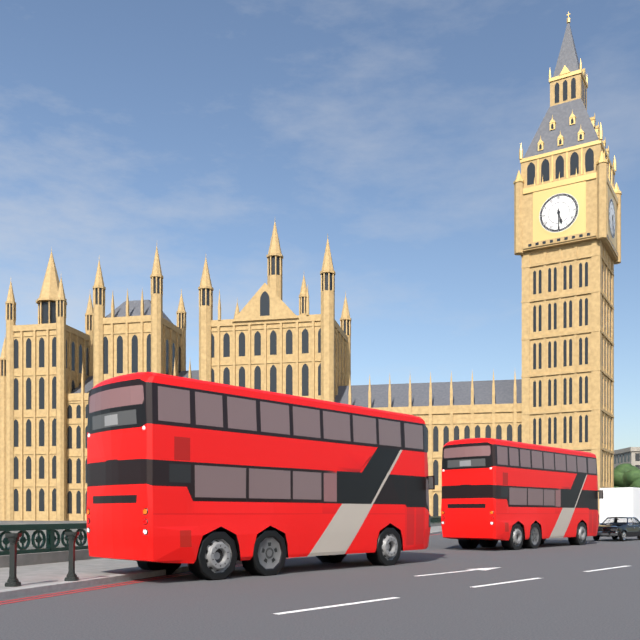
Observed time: 5:30
